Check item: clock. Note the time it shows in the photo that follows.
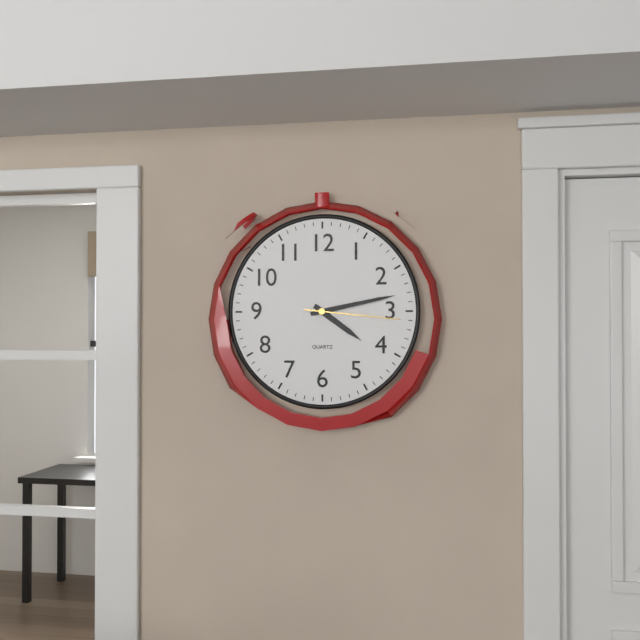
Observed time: 4:13:16
